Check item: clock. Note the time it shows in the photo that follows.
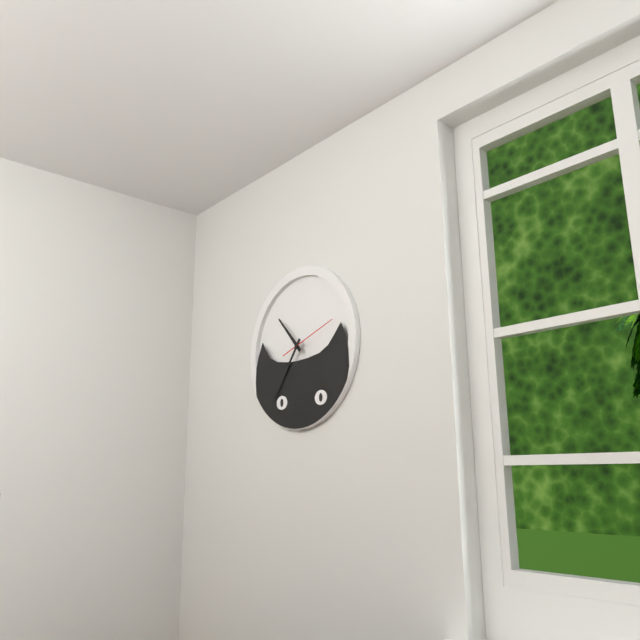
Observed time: 10:36:12
